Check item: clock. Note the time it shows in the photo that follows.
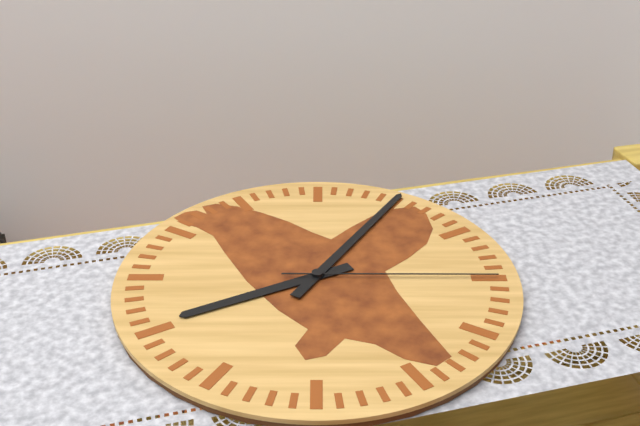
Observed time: 8:05:15
